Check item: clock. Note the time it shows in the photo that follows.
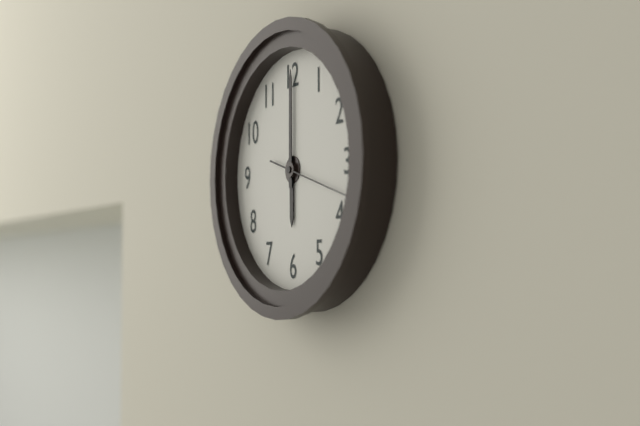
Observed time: 6:00:18
